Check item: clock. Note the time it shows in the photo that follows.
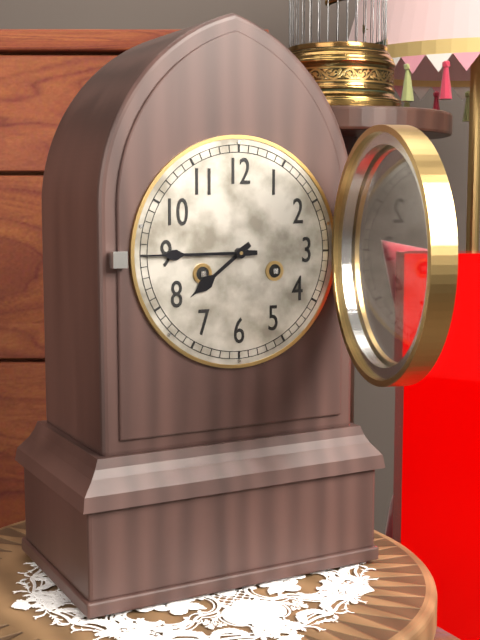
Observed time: 7:45
